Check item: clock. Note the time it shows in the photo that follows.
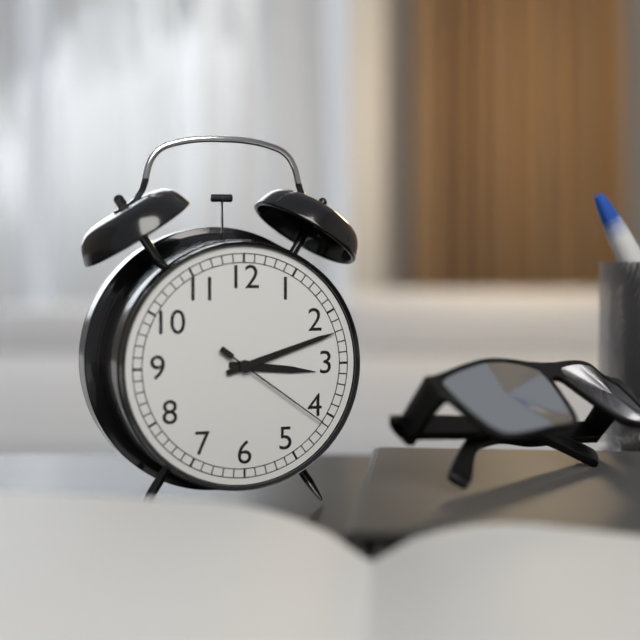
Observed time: 3:12:21
